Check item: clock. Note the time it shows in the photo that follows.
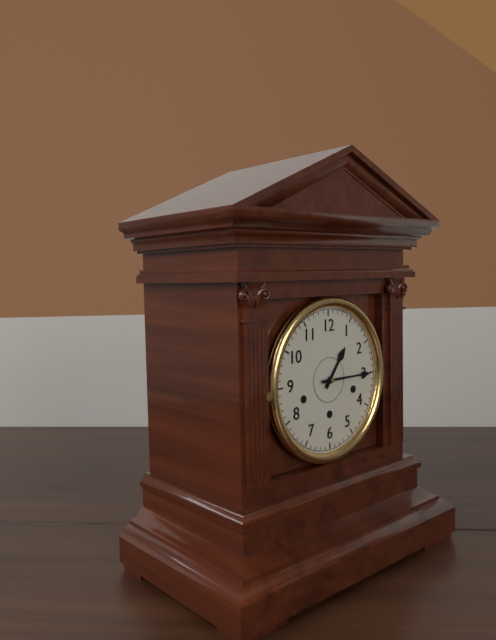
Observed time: 1:15
